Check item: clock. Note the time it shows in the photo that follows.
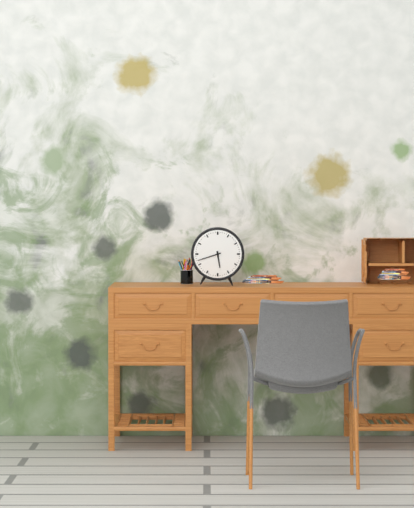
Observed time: 5:42
